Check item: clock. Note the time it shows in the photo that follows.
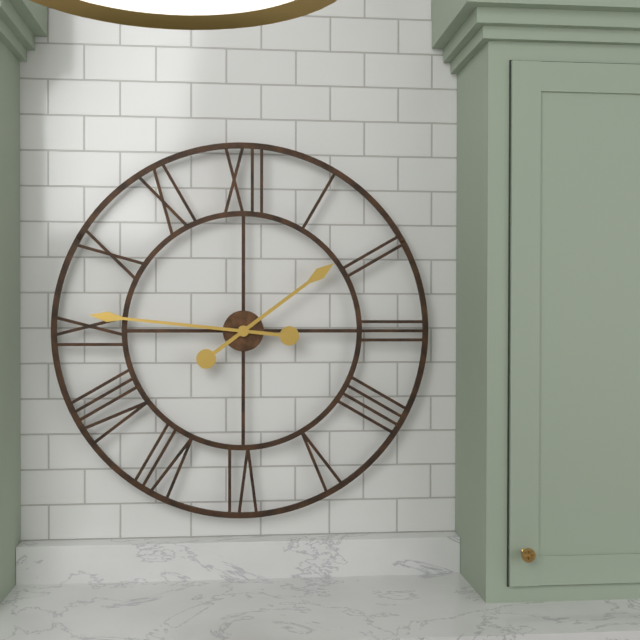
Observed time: 1:46
